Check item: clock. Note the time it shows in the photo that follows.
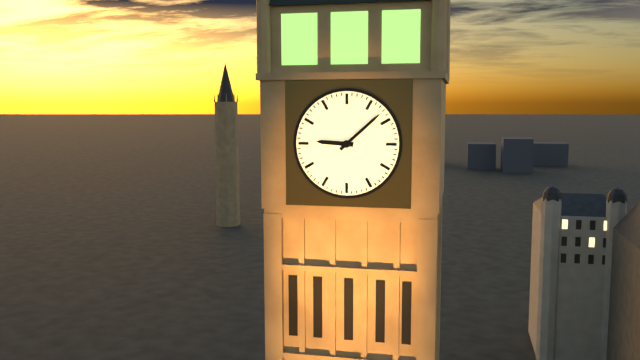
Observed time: 9:08
